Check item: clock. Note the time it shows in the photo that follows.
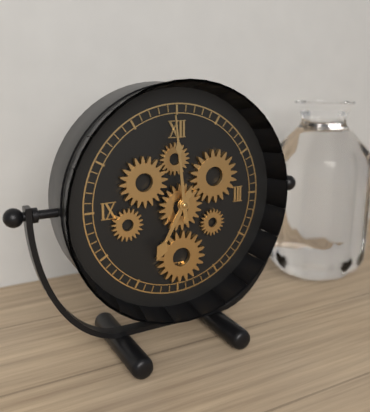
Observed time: 6:59
